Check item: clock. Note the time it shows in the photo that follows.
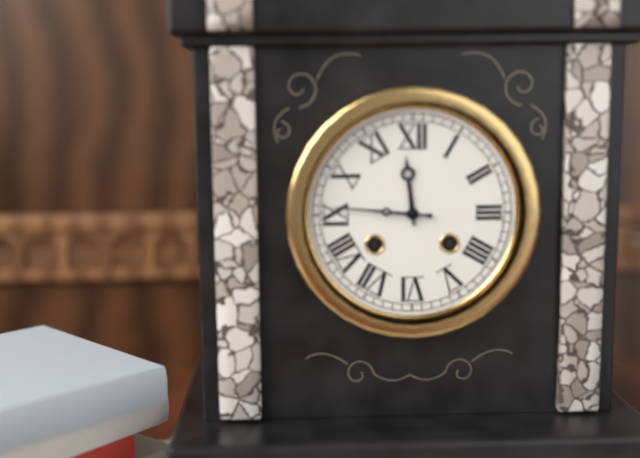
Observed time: 11:46
